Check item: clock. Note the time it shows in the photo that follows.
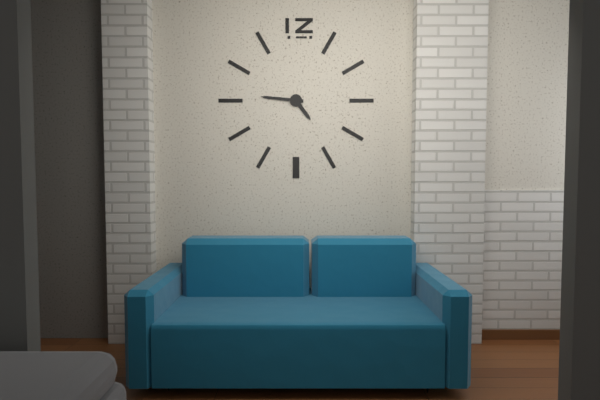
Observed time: 4:46
